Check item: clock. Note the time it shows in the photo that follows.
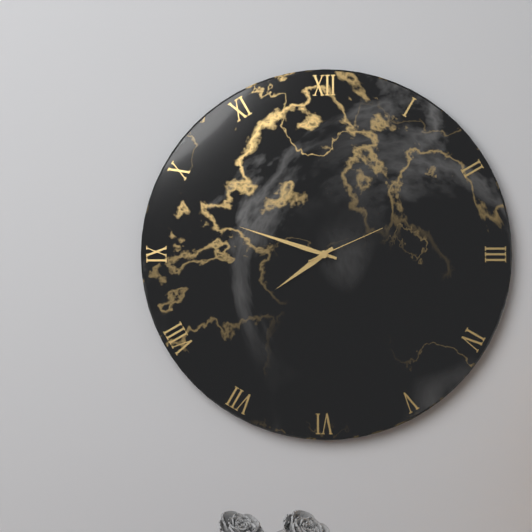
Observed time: 7:48:11
